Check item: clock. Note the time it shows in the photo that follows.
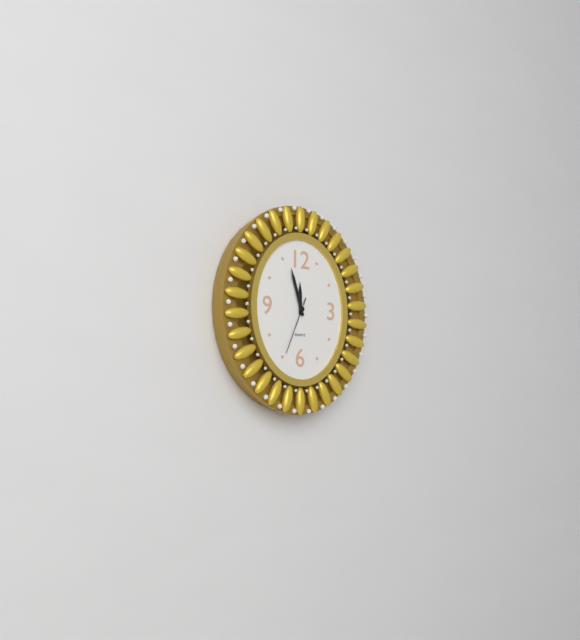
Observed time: 11:57:34
